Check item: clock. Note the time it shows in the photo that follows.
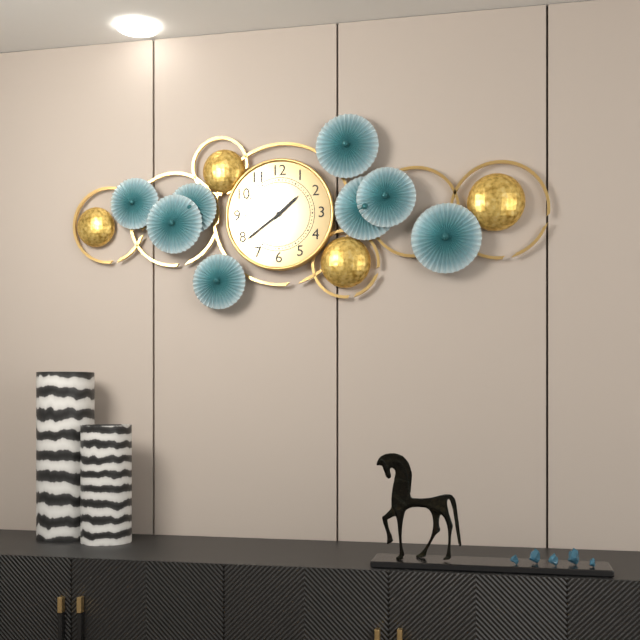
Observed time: 1:39
